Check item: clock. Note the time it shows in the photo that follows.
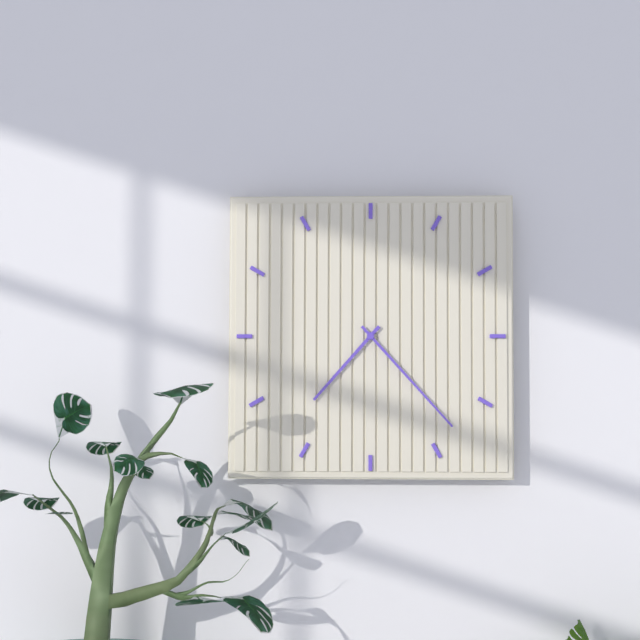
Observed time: 7:23
